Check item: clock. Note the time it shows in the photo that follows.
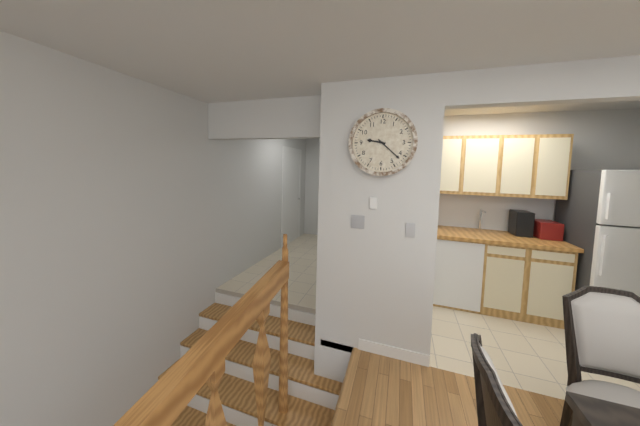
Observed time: 9:22
